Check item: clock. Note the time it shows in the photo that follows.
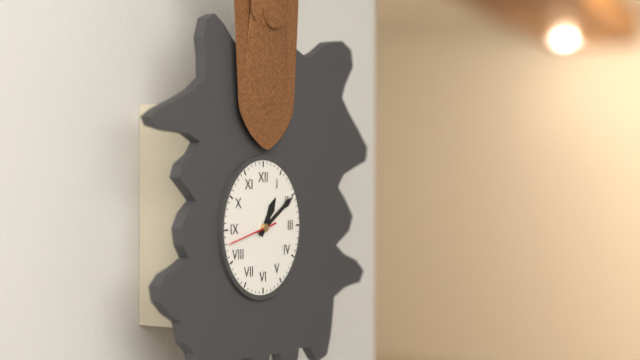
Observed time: 1:10:43
